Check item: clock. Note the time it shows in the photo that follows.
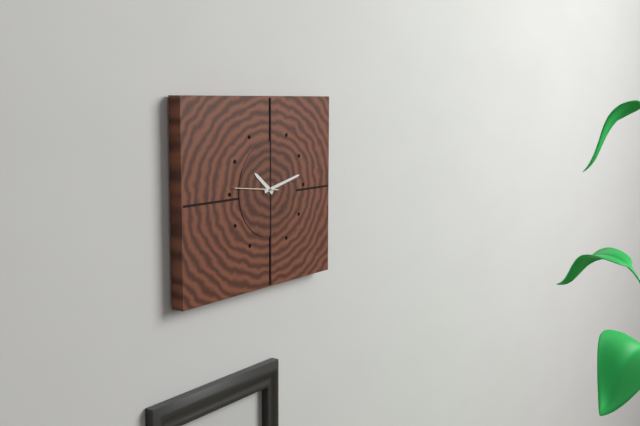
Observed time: 10:13
